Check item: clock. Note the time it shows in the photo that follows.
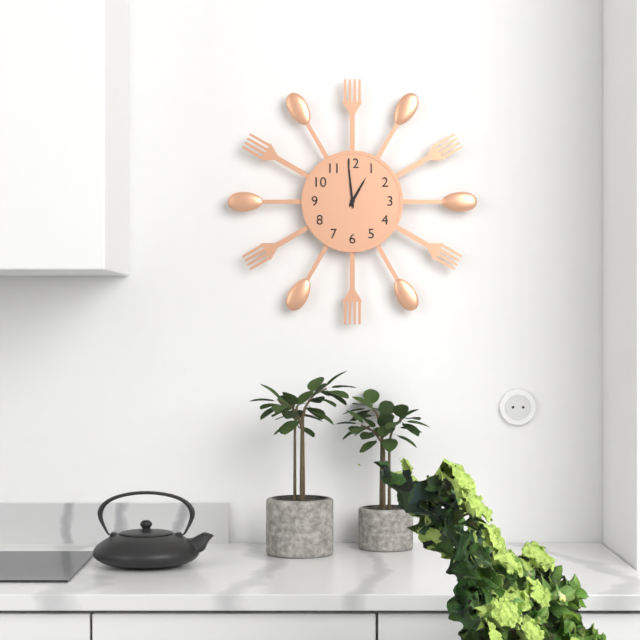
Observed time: 12:59
